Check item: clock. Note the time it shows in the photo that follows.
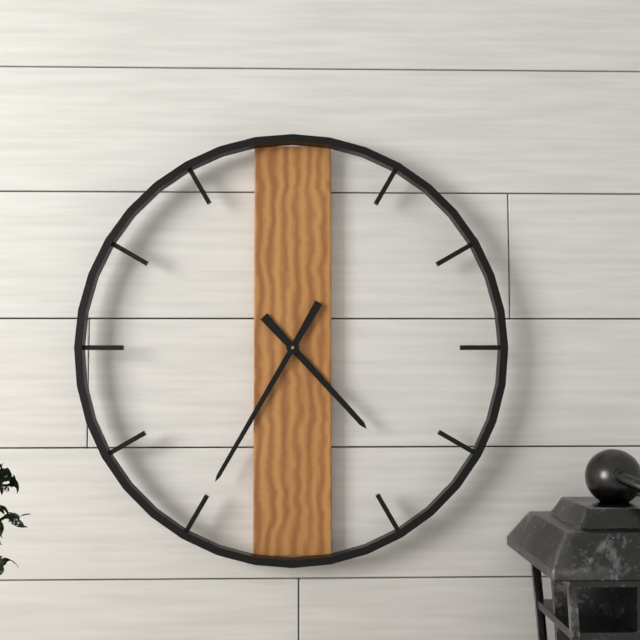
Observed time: 4:35
